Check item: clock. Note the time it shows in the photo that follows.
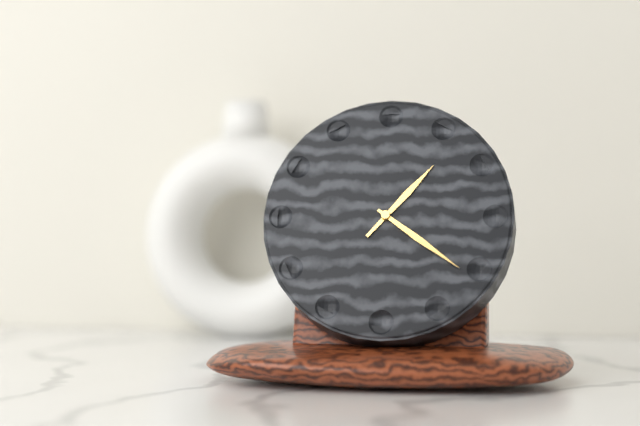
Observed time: 1:21
